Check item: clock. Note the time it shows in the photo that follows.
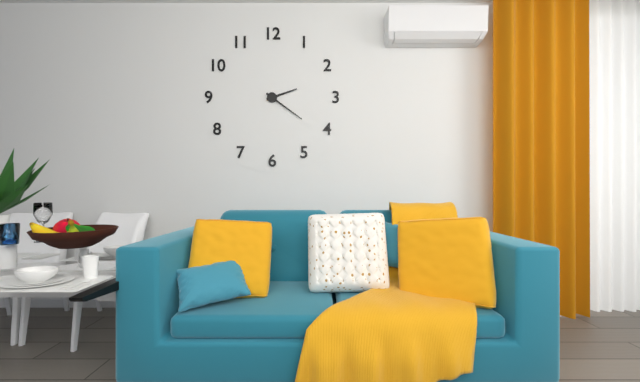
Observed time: 2:21
